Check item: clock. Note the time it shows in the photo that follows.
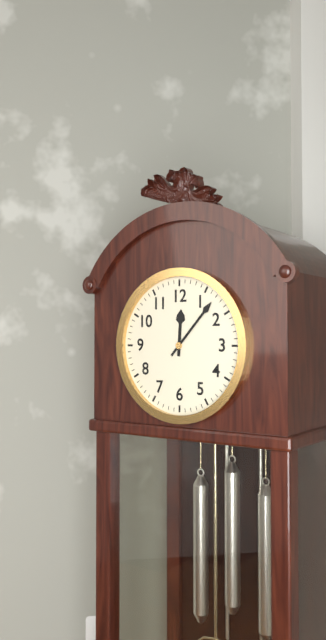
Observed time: 12:07
